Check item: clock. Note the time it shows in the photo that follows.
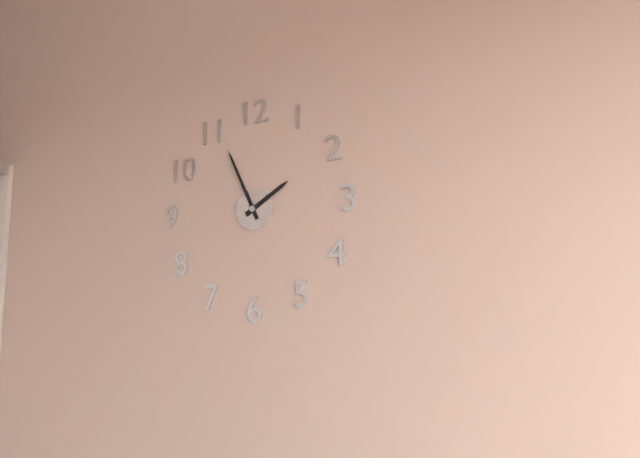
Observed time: 1:56
